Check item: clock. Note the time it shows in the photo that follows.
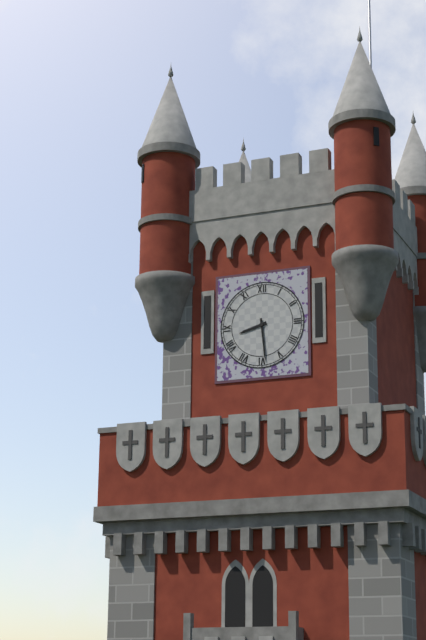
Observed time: 8:29
